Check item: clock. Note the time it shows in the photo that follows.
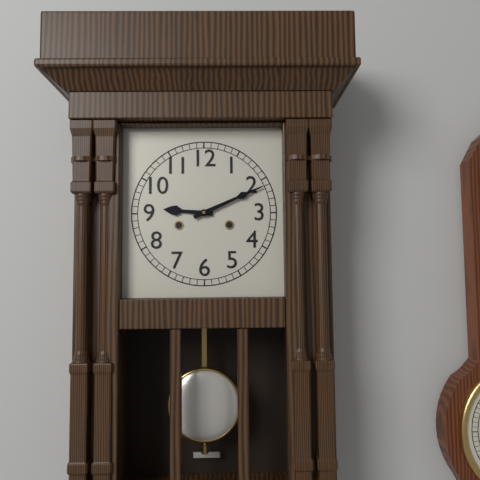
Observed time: 9:11
